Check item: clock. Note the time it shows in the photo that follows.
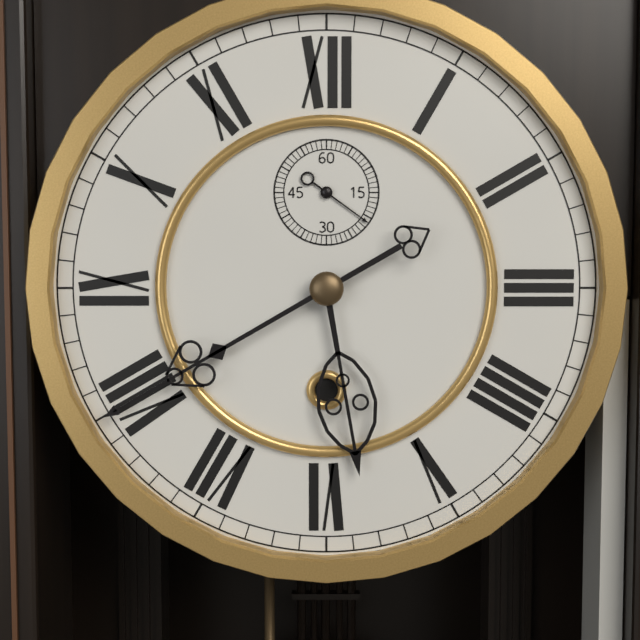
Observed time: 5:40:21
